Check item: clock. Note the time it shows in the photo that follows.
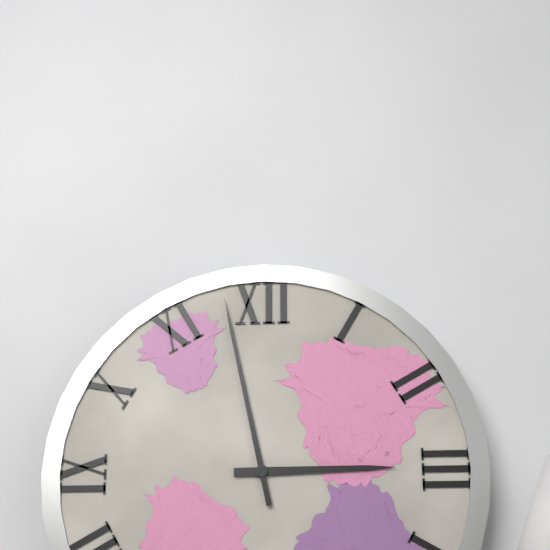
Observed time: 2:58
